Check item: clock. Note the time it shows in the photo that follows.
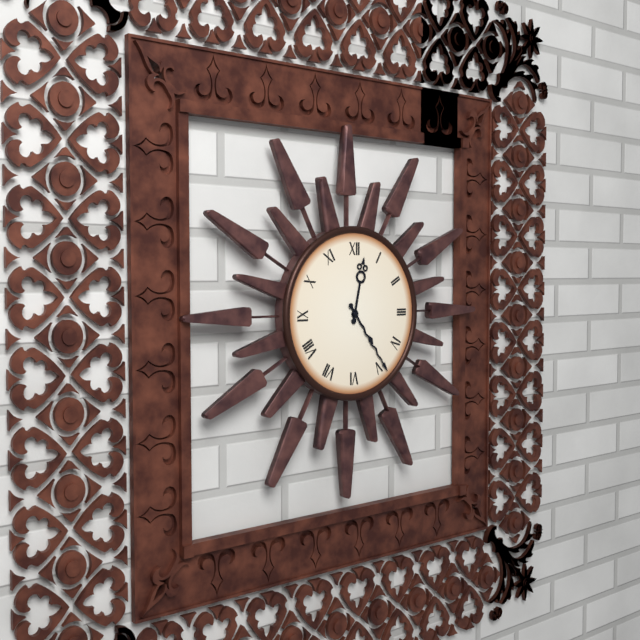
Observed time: 12:24
